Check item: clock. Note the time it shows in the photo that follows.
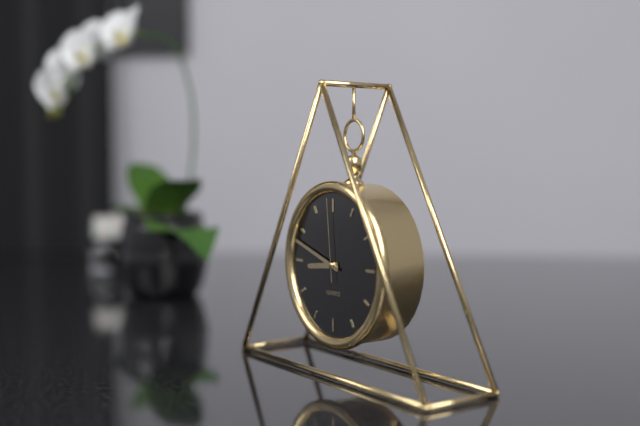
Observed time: 8:48:59
